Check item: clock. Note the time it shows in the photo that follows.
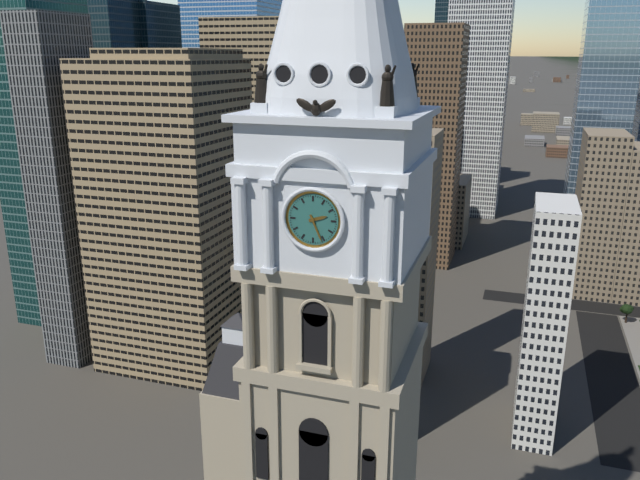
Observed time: 2:26
